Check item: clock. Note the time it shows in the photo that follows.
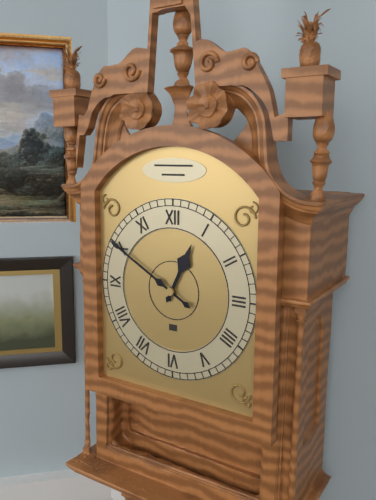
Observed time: 12:50
